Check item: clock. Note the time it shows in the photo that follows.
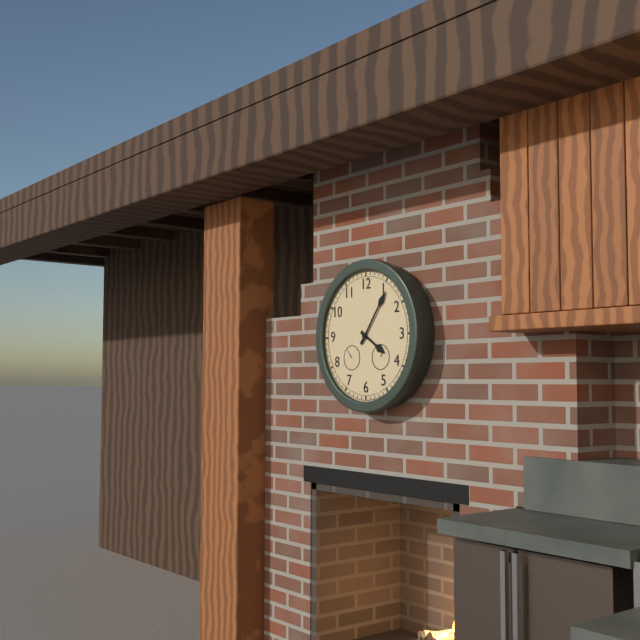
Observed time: 4:06
